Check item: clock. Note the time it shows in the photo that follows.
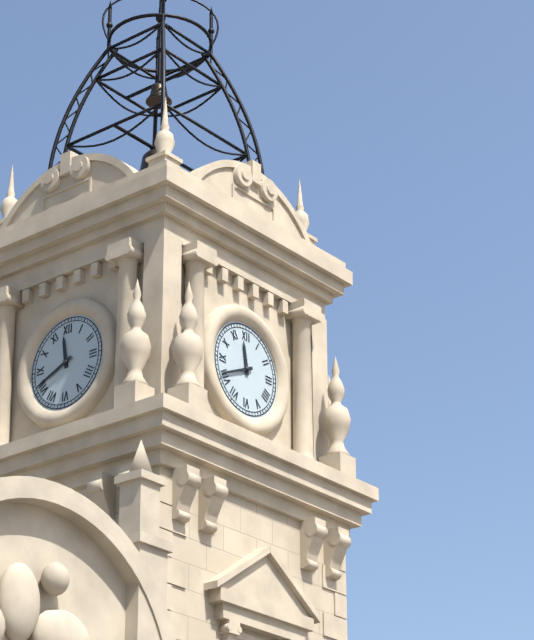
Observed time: 11:41
